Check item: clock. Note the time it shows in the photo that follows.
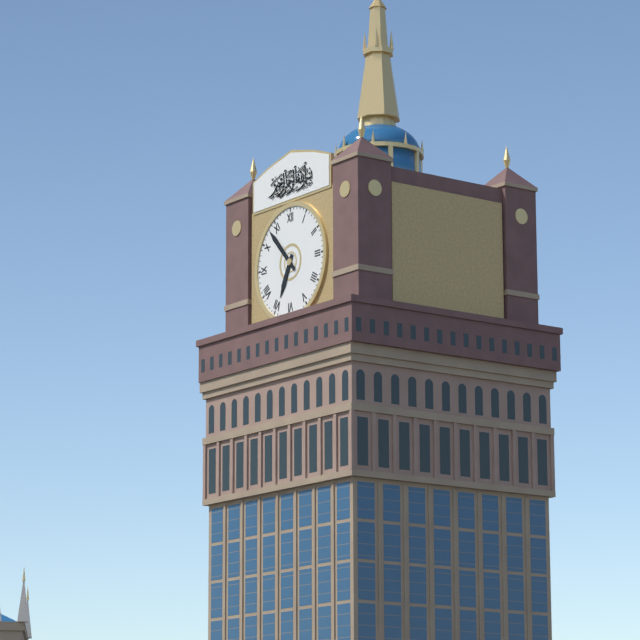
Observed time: 6:53
